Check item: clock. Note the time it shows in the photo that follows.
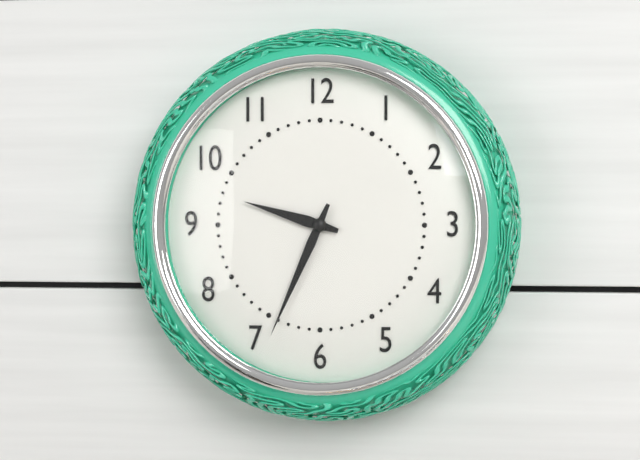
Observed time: 9:34
